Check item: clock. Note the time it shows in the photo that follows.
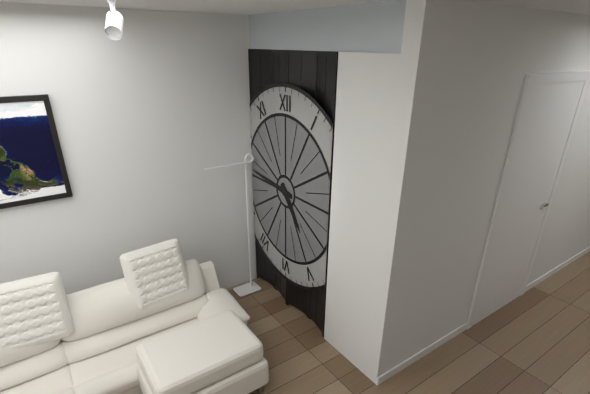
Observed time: 4:46
